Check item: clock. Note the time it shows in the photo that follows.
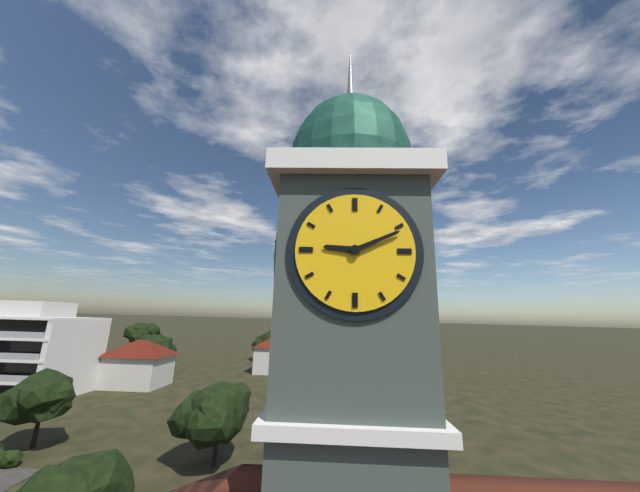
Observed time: 9:11
